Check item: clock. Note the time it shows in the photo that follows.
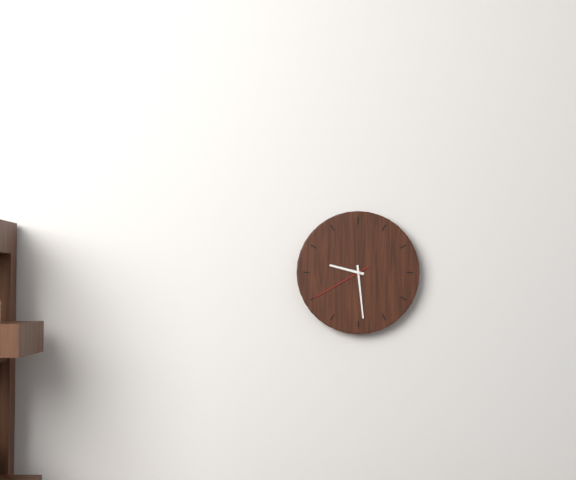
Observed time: 9:29:40
